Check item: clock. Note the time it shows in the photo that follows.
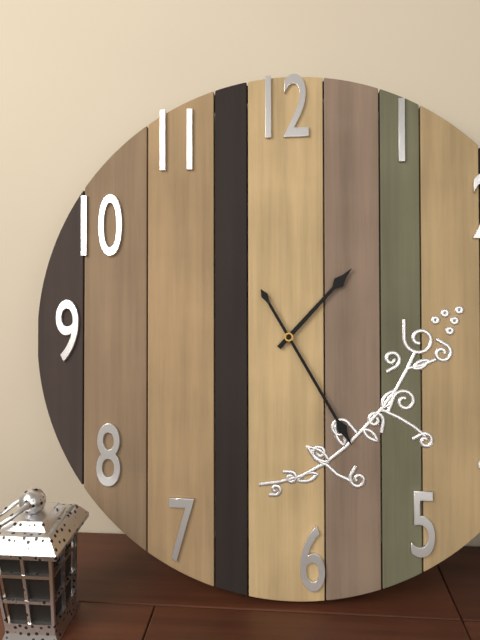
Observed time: 1:25
